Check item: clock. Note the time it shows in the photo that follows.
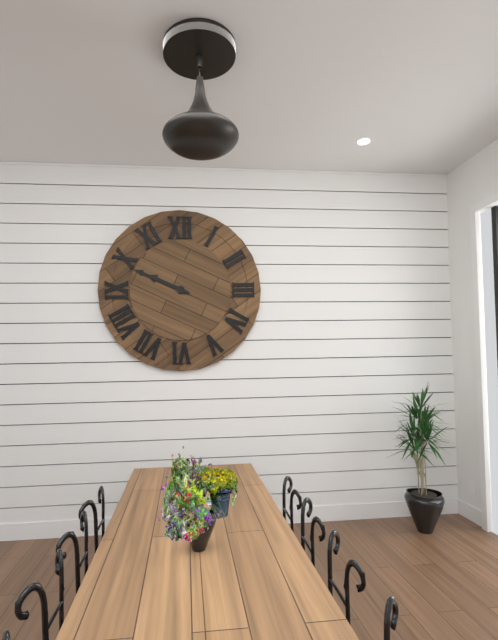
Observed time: 9:49
